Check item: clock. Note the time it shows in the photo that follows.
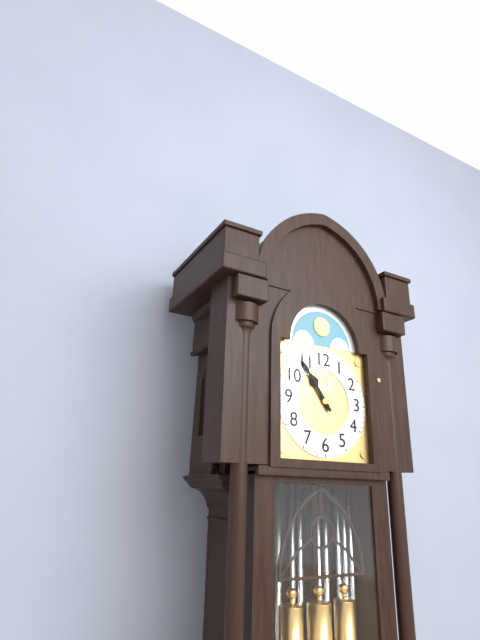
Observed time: 10:54
